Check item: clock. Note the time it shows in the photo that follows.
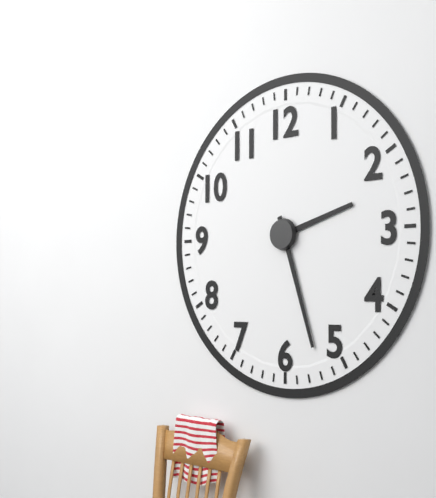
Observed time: 2:27
